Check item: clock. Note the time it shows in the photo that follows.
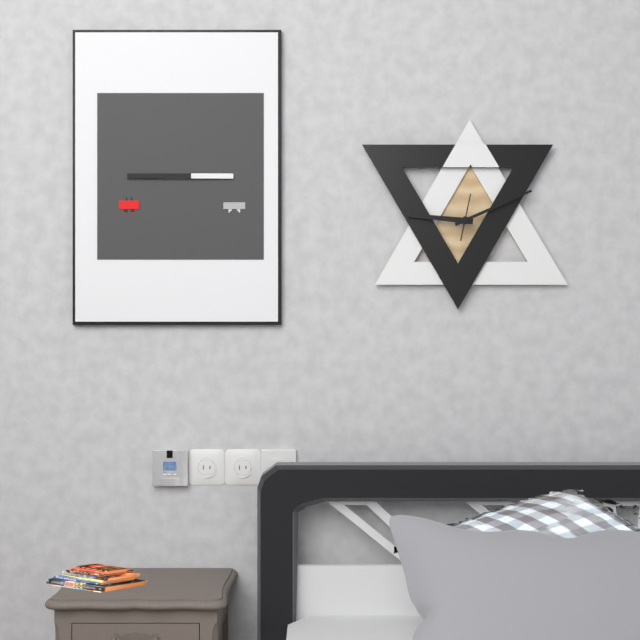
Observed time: 9:11
